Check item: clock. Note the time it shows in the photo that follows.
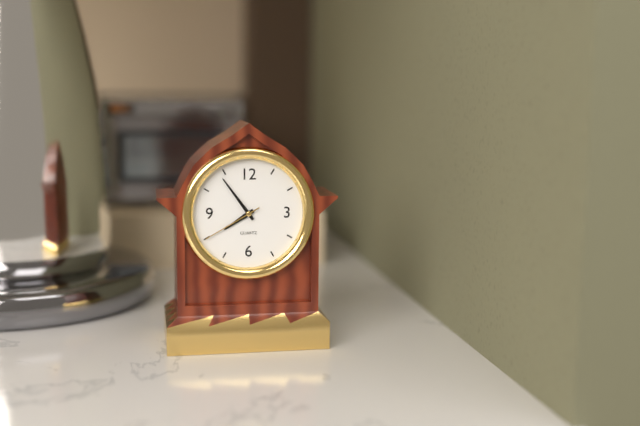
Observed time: 7:54:40
